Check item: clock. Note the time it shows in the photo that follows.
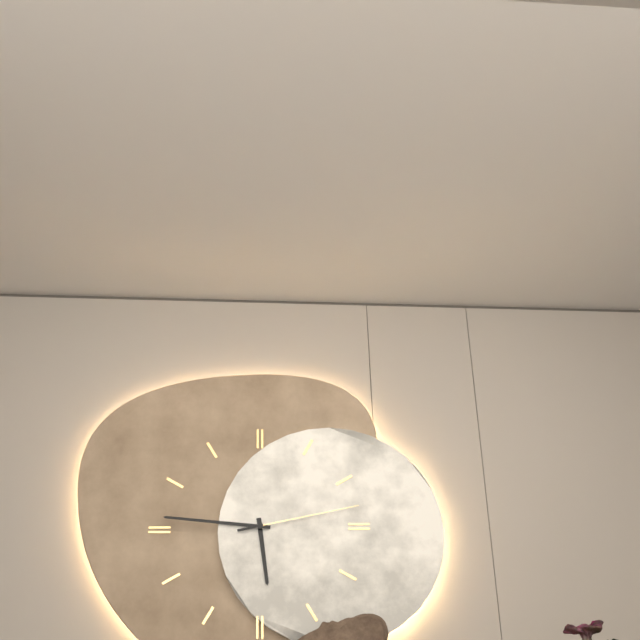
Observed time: 5:46:13
